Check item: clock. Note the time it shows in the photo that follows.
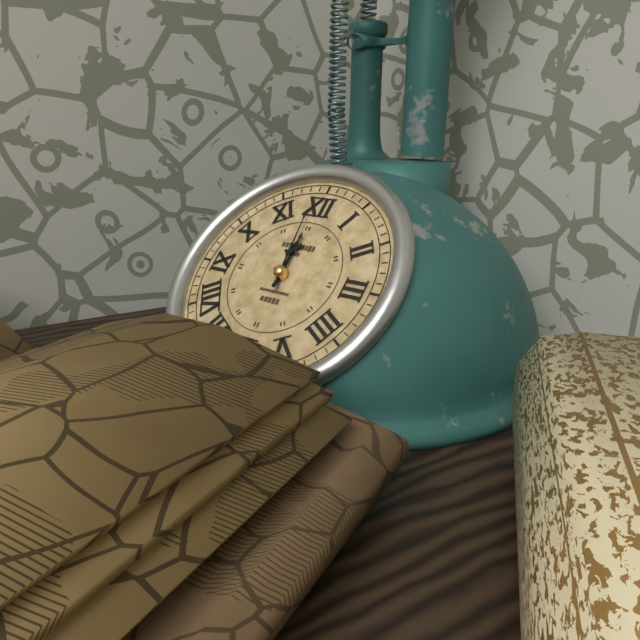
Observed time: 11:59
